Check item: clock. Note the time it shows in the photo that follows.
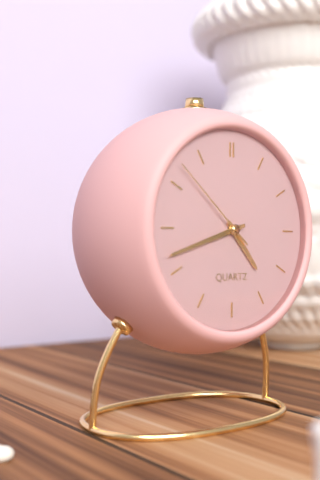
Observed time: 4:42:52
